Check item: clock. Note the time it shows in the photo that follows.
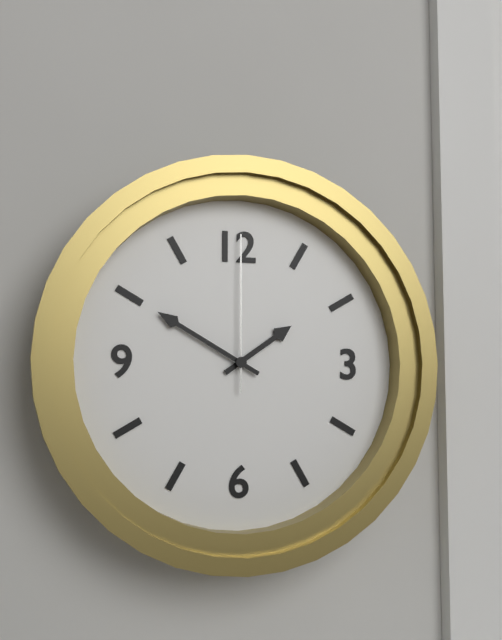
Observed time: 1:50:00
